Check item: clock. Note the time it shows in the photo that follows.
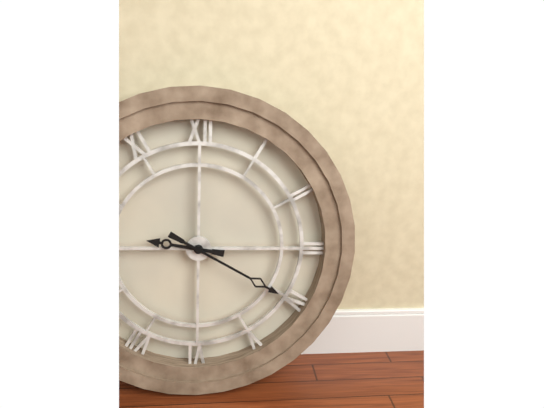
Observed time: 9:20
